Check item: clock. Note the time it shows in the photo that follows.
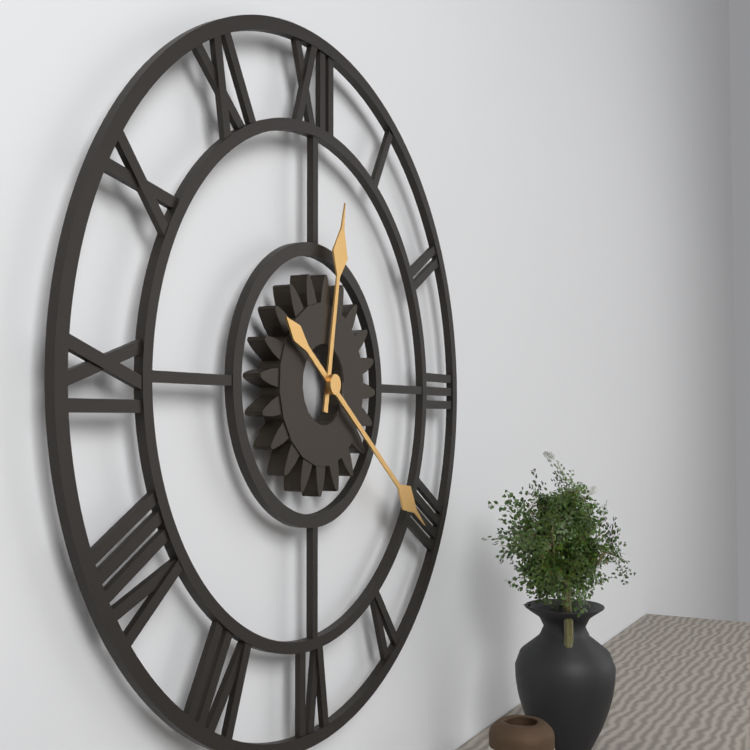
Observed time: 12:21
